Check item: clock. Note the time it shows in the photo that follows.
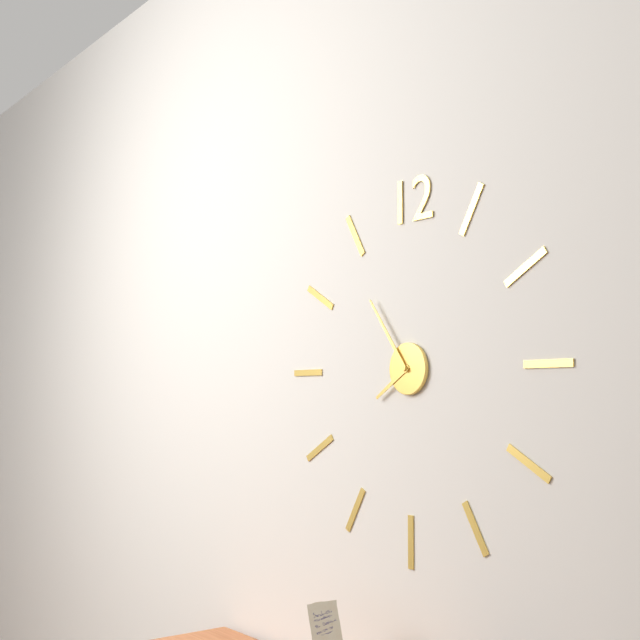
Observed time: 7:54
